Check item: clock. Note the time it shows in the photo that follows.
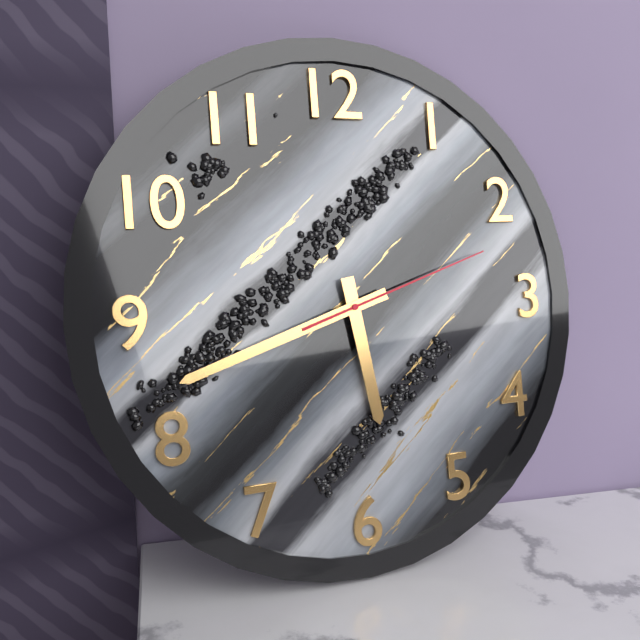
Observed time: 5:42:12
